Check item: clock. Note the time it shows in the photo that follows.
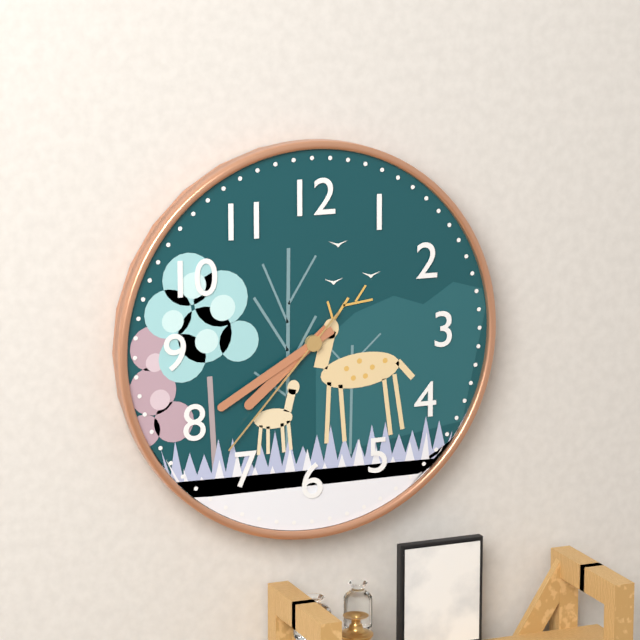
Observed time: 7:40:37
